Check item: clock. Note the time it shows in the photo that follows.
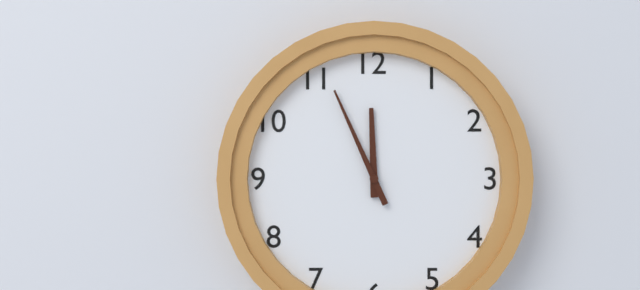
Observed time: 11:56
